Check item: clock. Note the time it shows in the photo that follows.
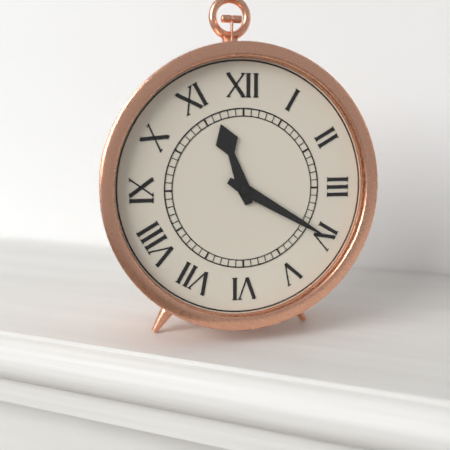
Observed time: 11:20
